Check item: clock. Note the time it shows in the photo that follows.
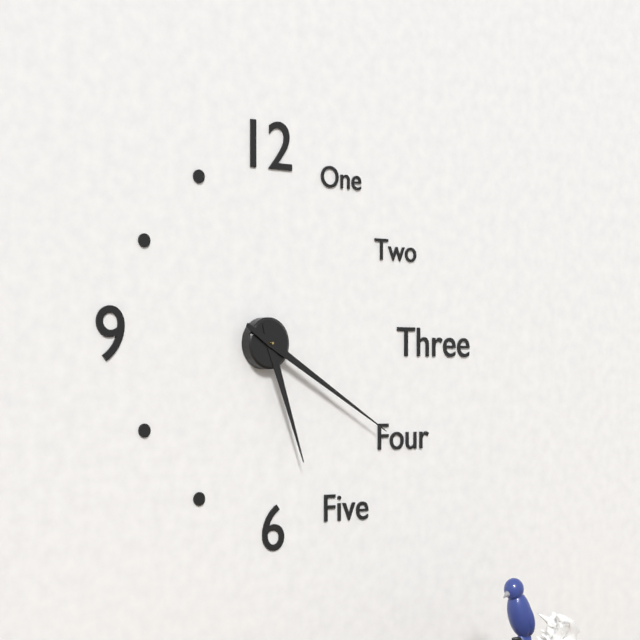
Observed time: 5:20
